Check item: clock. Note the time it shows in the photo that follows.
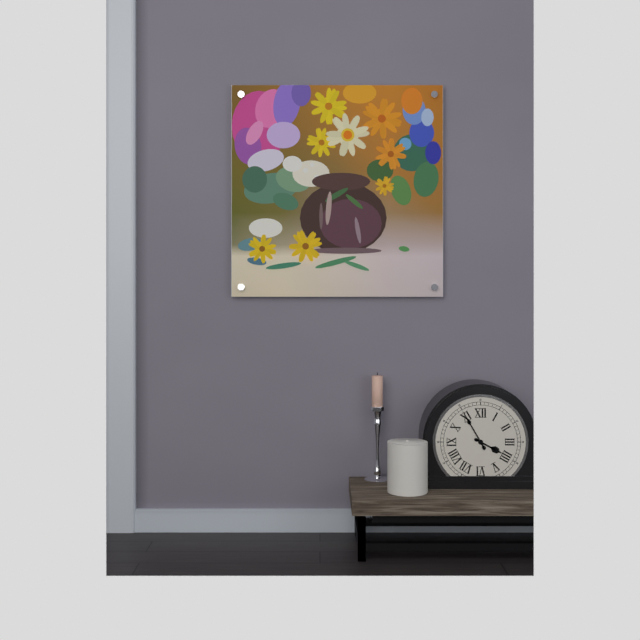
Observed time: 3:55
